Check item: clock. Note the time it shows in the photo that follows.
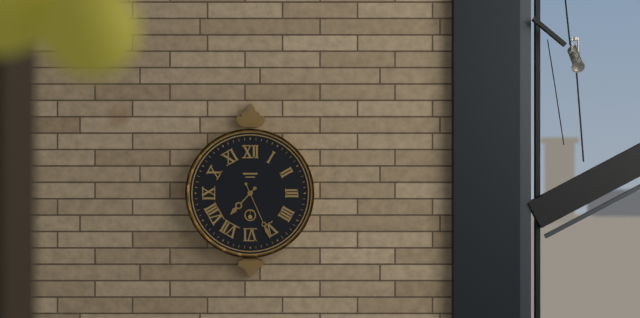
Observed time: 7:26
